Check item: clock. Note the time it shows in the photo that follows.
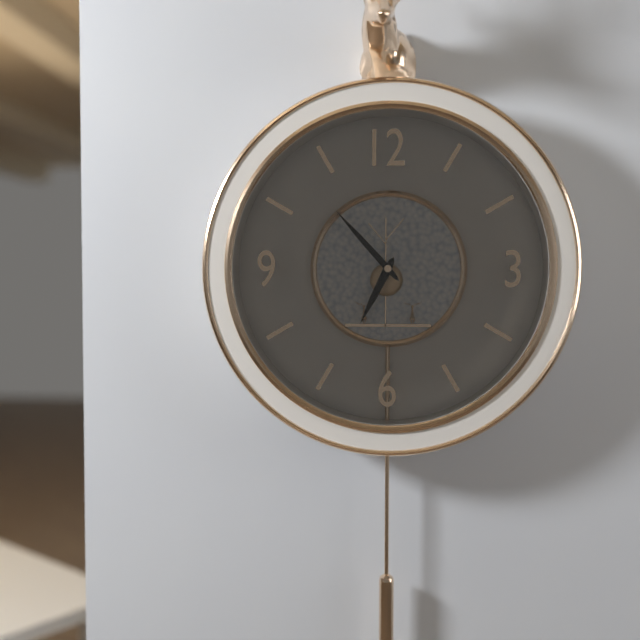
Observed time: 6:53
